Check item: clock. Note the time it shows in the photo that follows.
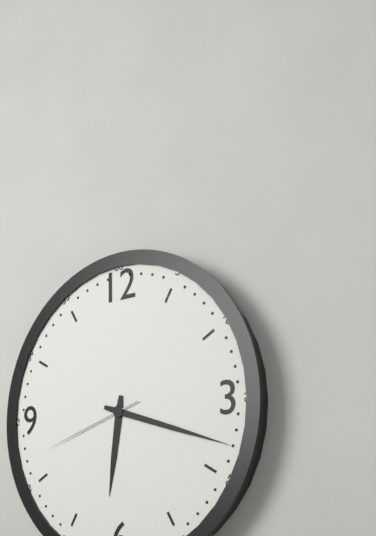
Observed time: 6:18:42
